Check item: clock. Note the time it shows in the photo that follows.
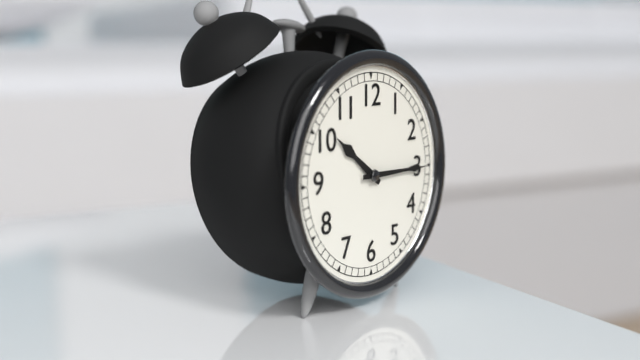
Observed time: 10:15
